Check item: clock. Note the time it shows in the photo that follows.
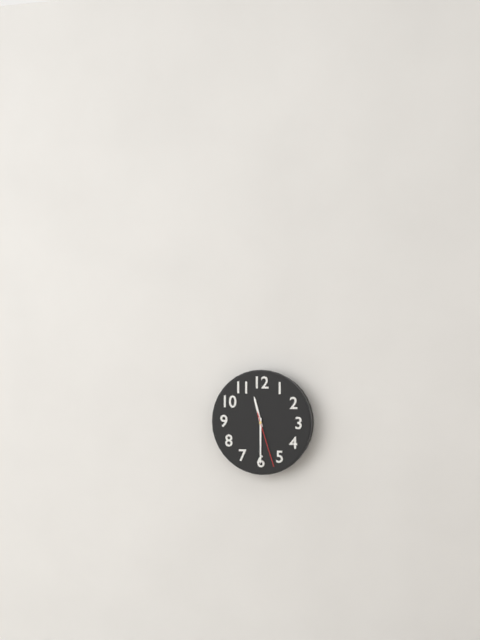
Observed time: 11:30:27
